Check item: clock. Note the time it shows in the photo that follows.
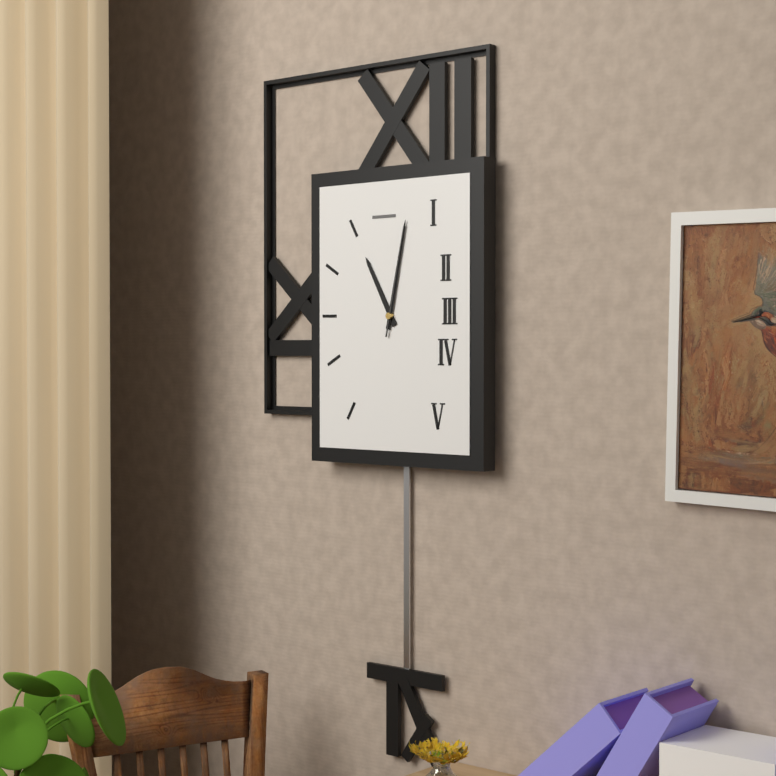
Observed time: 11:02:02
